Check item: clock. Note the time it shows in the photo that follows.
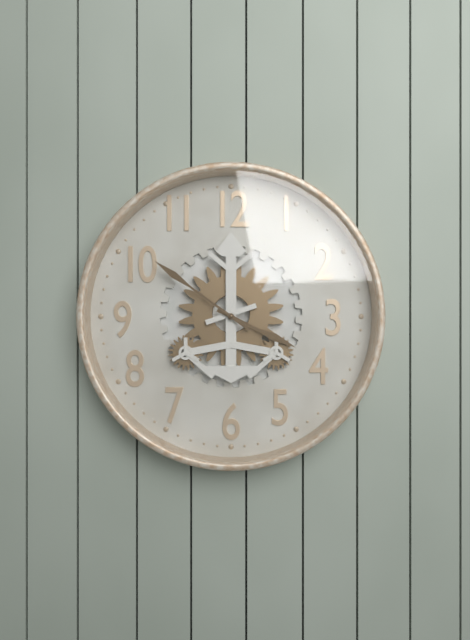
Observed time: 3:51
